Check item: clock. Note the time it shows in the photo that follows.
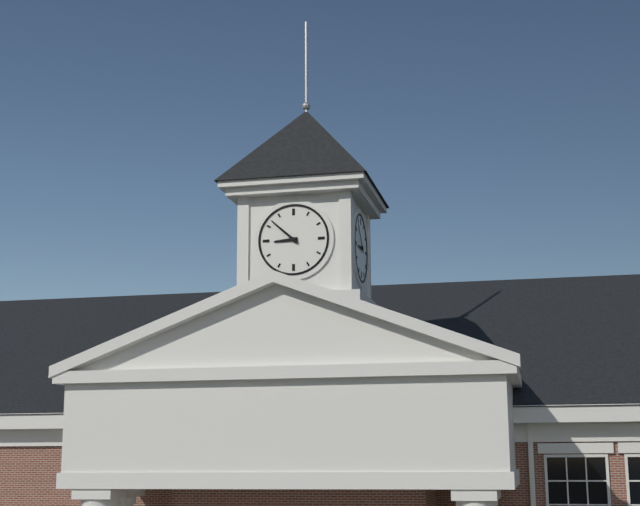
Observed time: 8:52
